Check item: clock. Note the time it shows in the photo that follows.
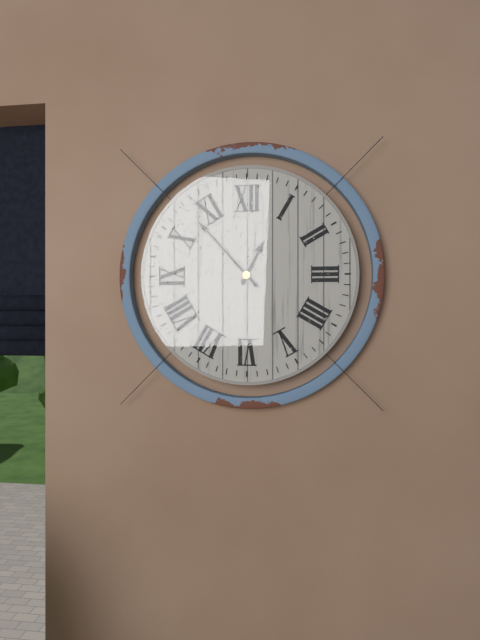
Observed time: 12:53
